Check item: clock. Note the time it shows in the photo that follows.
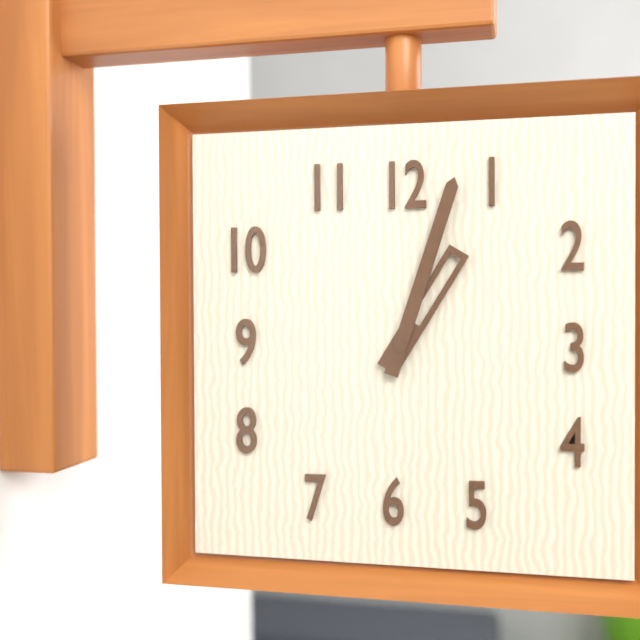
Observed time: 1:03
